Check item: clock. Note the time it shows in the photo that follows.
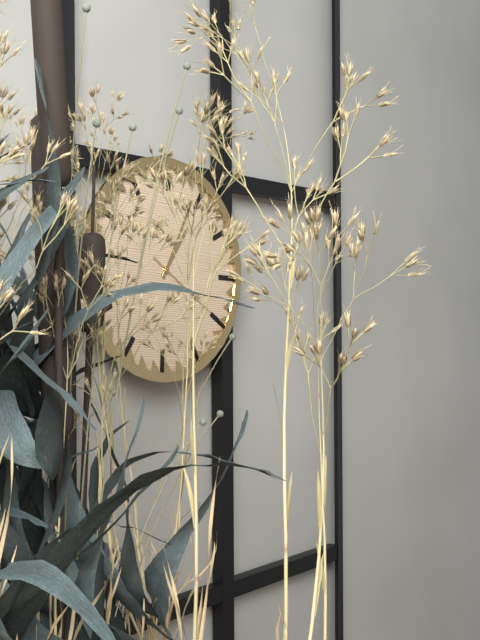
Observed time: 1:04:20
